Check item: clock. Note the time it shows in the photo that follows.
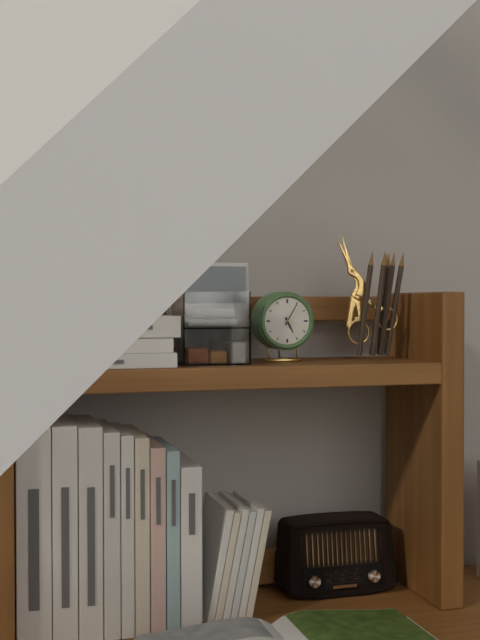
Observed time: 5:05
